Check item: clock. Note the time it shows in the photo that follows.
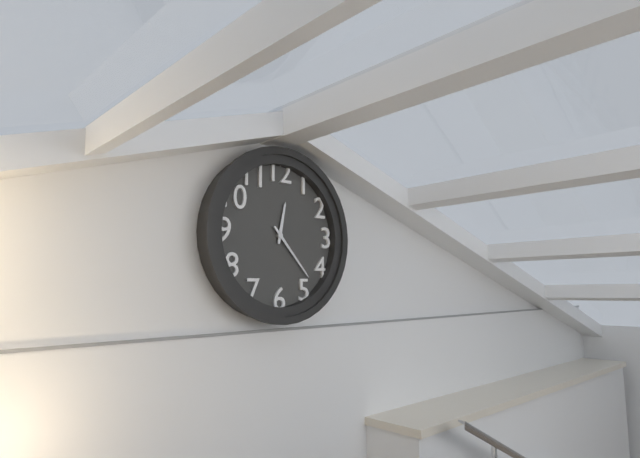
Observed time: 12:23
